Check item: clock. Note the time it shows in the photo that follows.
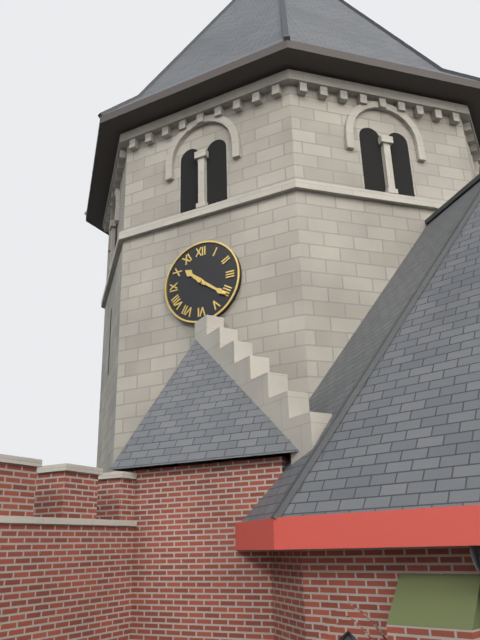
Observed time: 10:21
